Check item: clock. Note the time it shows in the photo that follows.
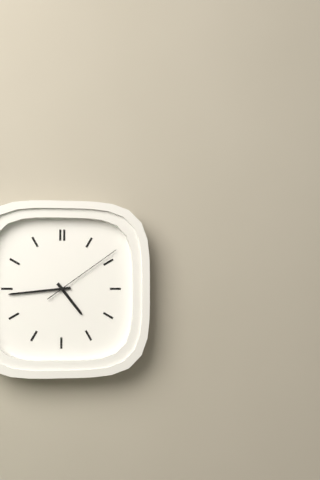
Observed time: 4:44:09
